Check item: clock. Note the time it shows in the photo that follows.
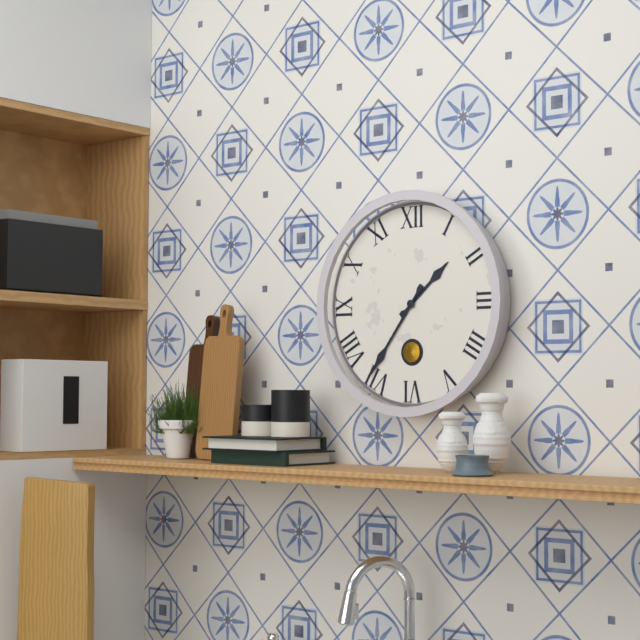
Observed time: 1:36
